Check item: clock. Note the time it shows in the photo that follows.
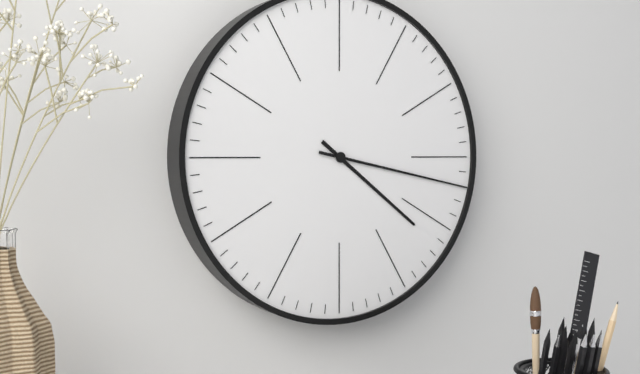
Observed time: 4:17
